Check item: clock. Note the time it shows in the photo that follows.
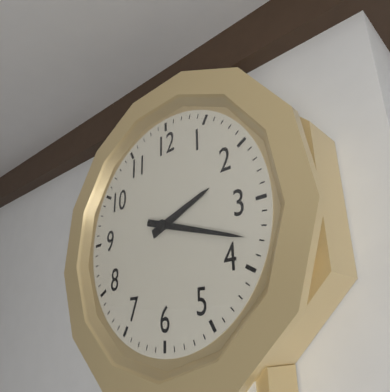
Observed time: 2:18
